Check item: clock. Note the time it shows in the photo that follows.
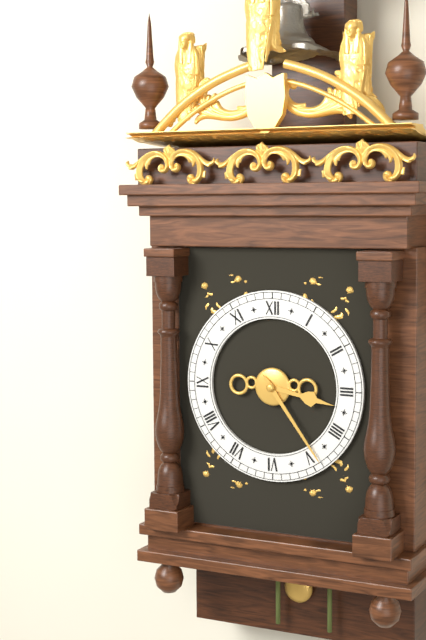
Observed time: 3:24
